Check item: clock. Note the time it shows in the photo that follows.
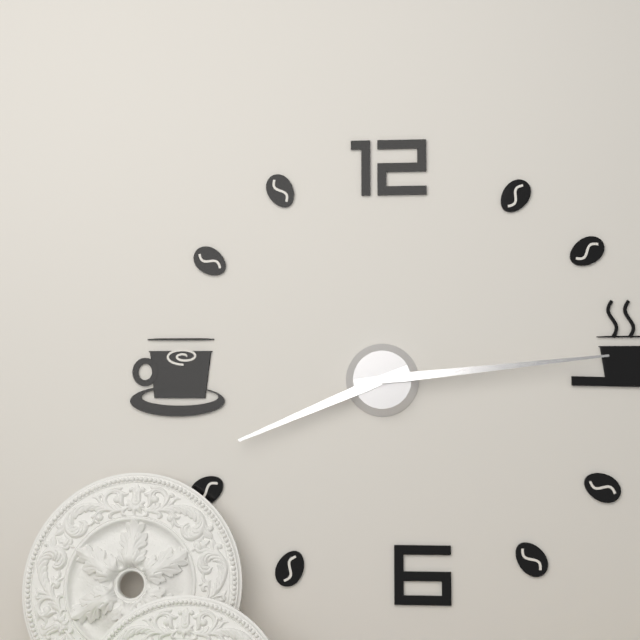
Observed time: 8:14
